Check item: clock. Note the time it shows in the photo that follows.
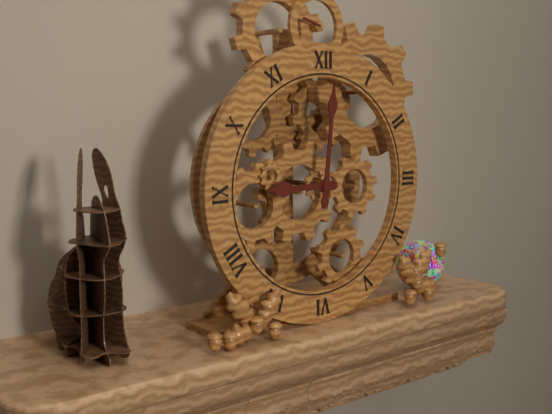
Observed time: 9:01
